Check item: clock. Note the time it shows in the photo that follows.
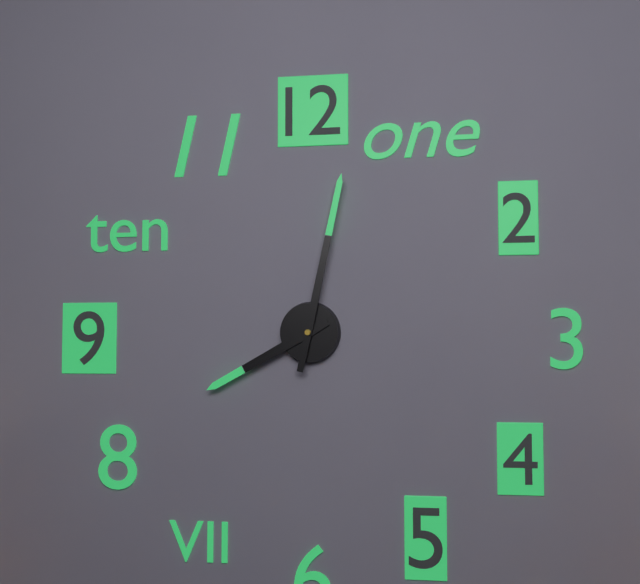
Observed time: 8:02
